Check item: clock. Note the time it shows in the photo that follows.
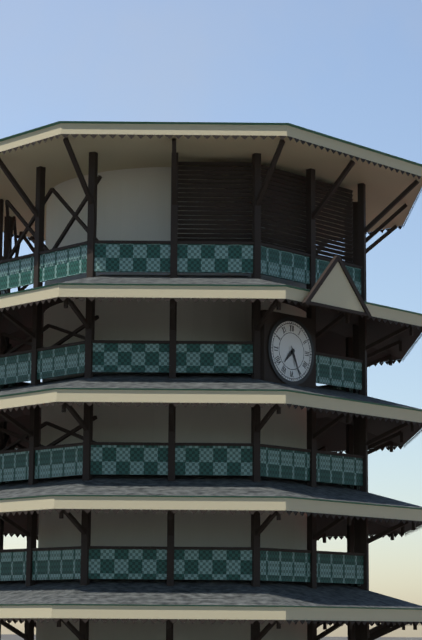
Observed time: 7:26
